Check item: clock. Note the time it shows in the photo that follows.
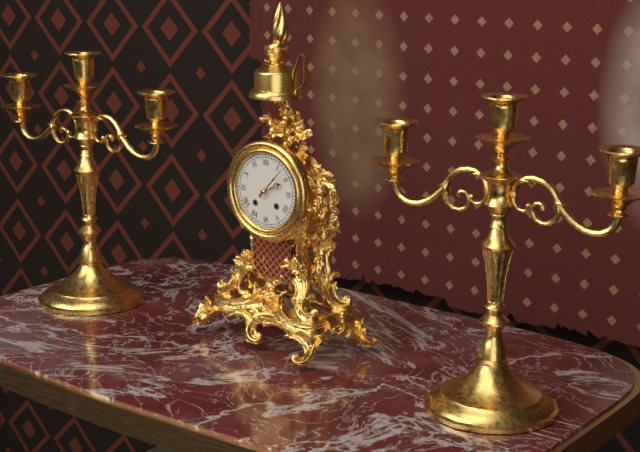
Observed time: 2:07
